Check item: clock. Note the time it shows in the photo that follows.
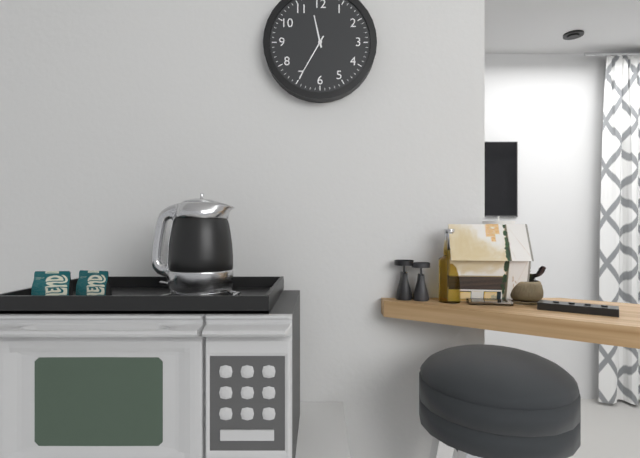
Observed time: 11:35
